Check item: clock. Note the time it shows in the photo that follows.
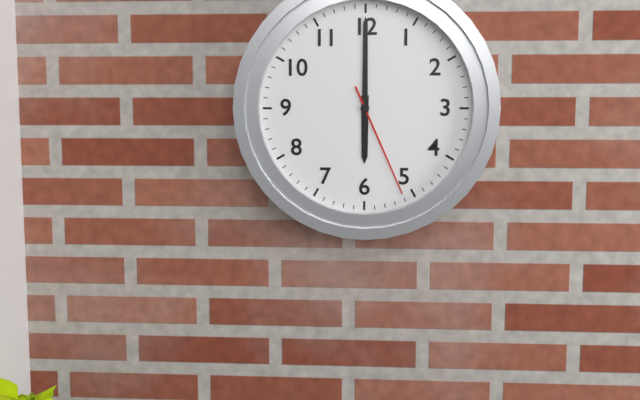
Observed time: 6:00:26
